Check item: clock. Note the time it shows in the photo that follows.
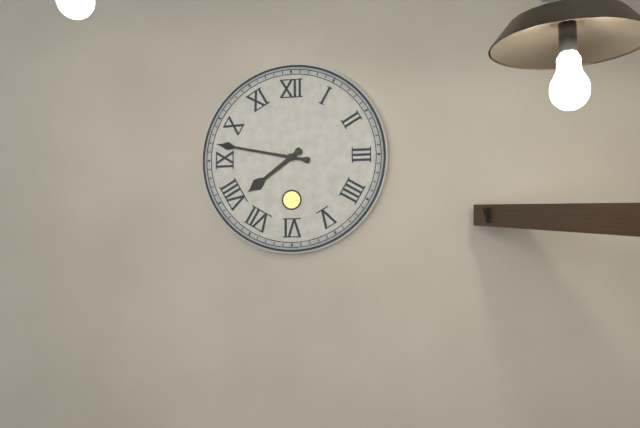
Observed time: 7:47
